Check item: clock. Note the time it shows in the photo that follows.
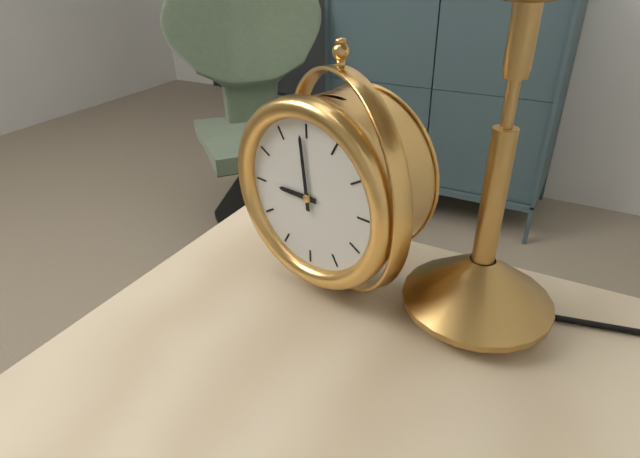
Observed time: 8:59
